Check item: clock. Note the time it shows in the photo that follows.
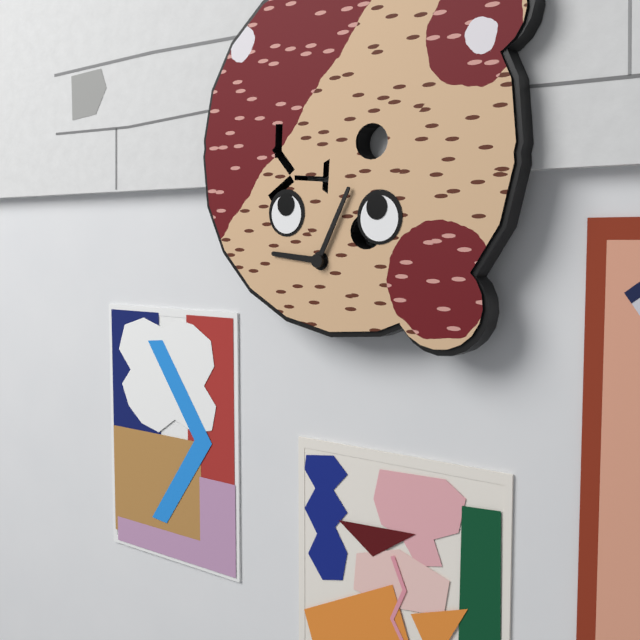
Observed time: 9:04
